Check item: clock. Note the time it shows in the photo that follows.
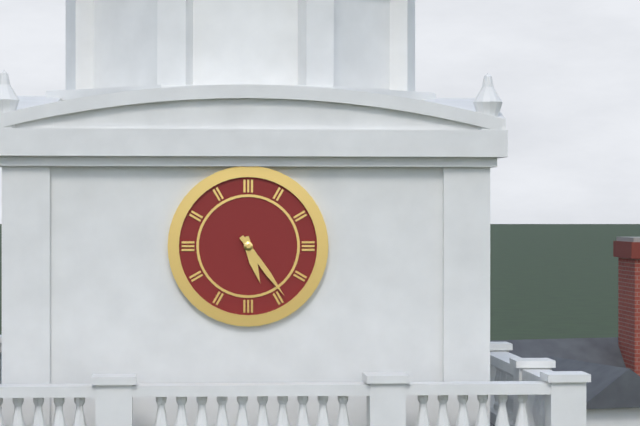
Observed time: 5:24
